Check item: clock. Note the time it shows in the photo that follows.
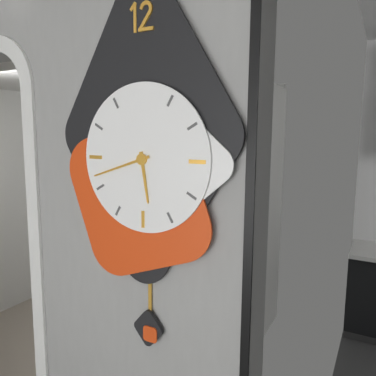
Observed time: 5:42
